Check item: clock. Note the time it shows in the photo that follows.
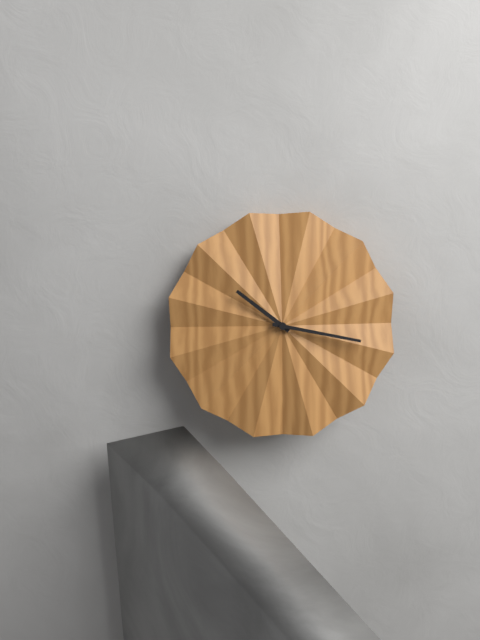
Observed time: 10:17
